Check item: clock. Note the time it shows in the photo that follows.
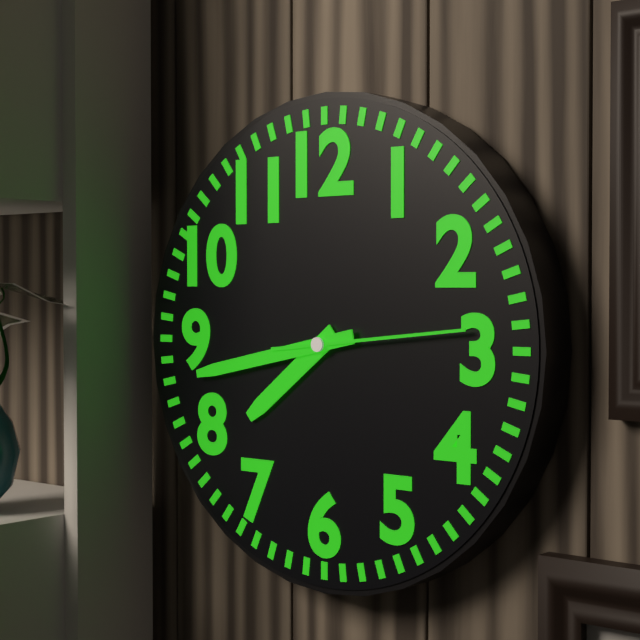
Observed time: 7:43:14
